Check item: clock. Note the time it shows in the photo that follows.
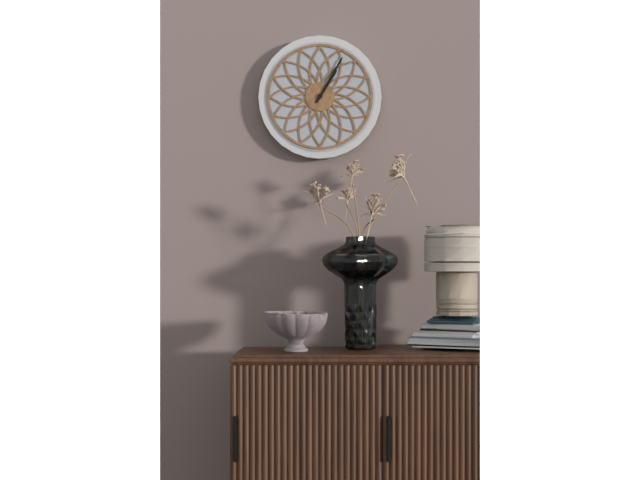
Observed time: 1:05
